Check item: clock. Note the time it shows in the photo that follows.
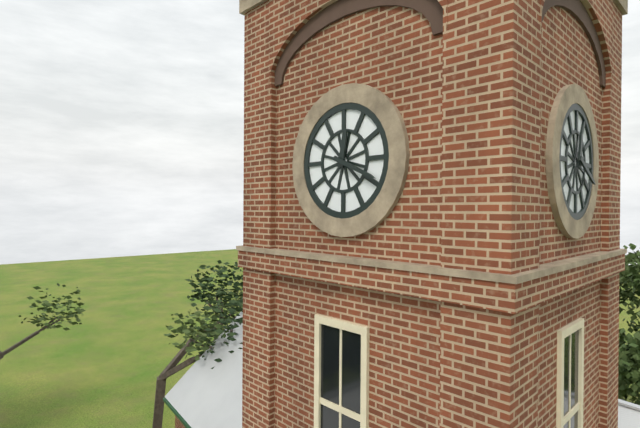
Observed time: 12:19
